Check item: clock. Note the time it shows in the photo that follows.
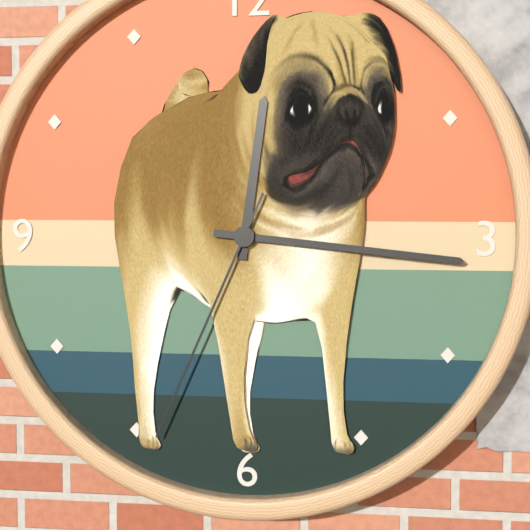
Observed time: 12:16:34
